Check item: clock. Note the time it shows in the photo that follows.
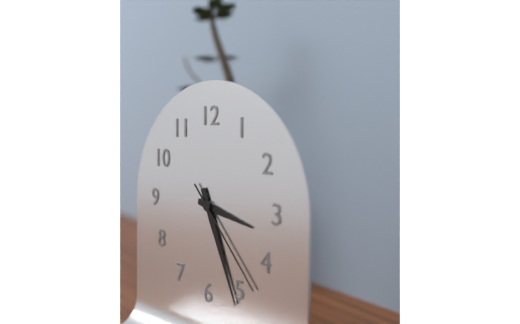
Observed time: 3:26:23
